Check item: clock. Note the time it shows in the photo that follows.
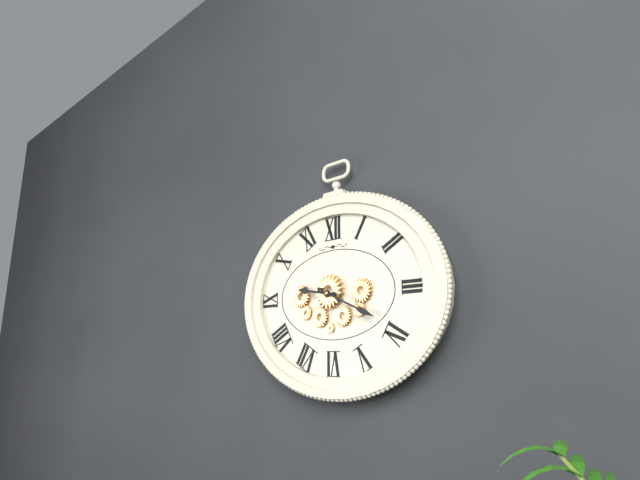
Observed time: 9:19
